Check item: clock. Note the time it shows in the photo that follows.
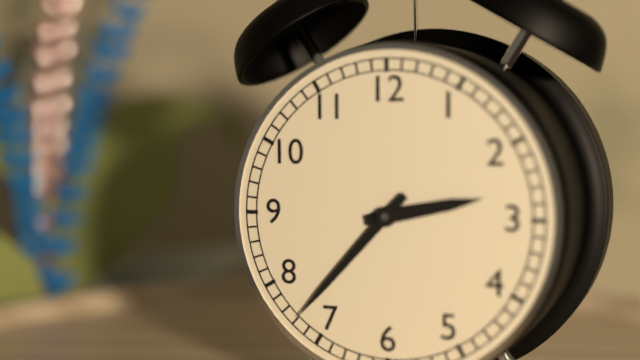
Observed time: 2:37
